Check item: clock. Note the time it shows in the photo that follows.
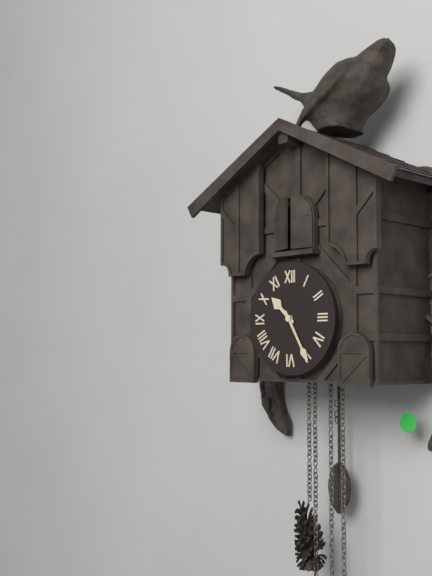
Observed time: 10:25
